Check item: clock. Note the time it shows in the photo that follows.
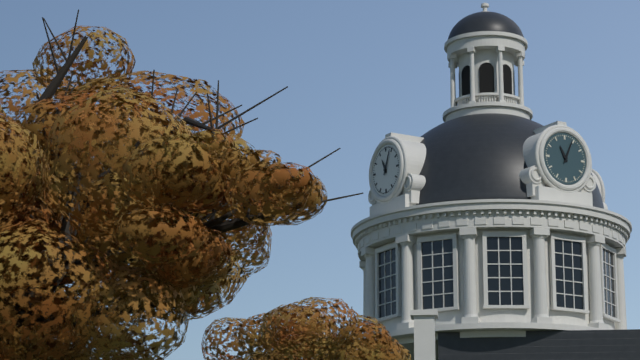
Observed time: 11:04
